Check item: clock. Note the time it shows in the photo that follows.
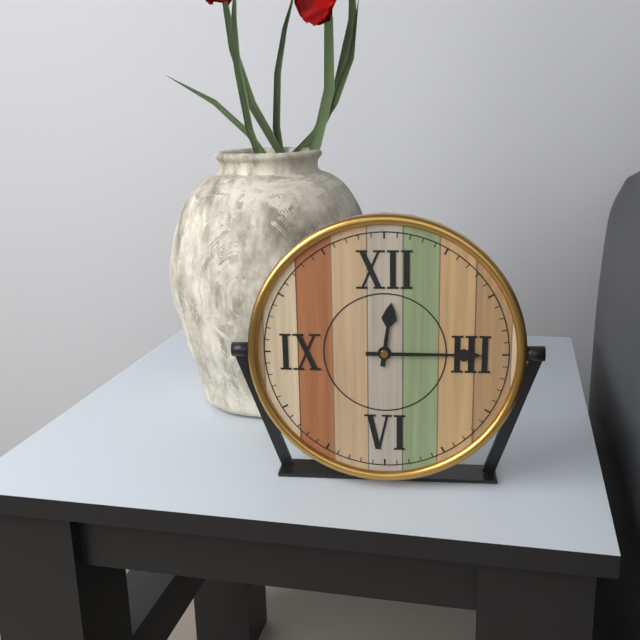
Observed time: 12:15
